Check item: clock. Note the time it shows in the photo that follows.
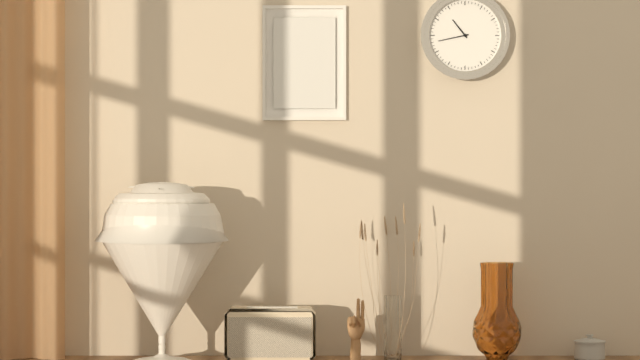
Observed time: 10:43
